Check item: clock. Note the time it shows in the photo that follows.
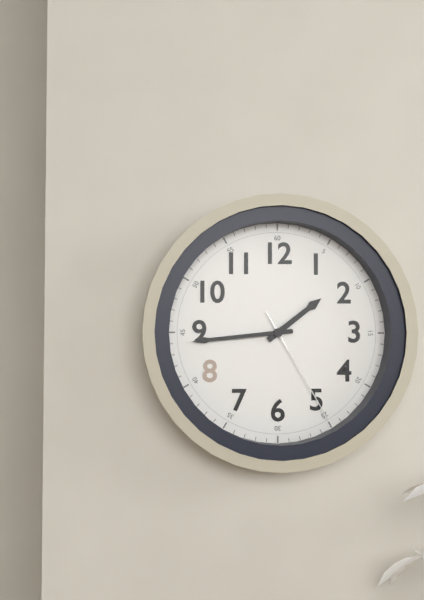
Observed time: 1:44:25
